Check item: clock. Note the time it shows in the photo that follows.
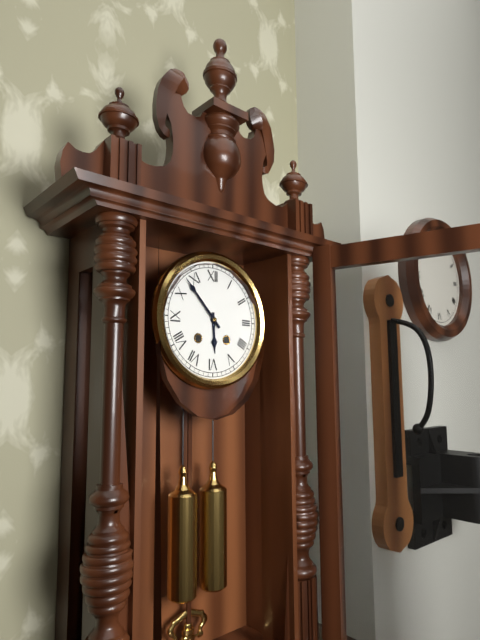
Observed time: 5:53
